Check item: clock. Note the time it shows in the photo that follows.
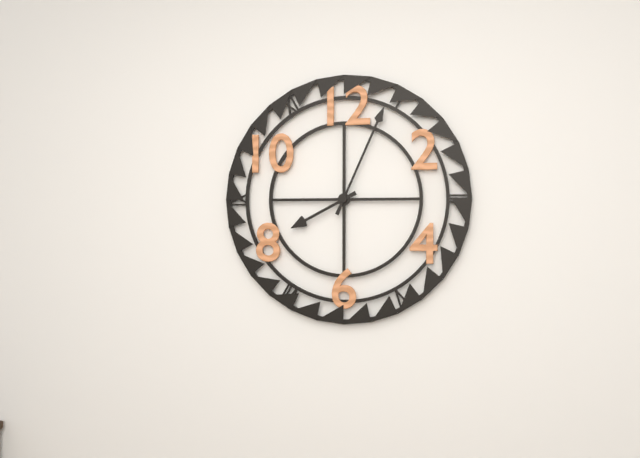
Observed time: 8:04
